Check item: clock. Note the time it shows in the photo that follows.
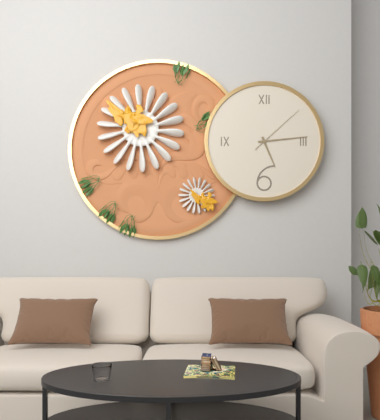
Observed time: 5:14:08
